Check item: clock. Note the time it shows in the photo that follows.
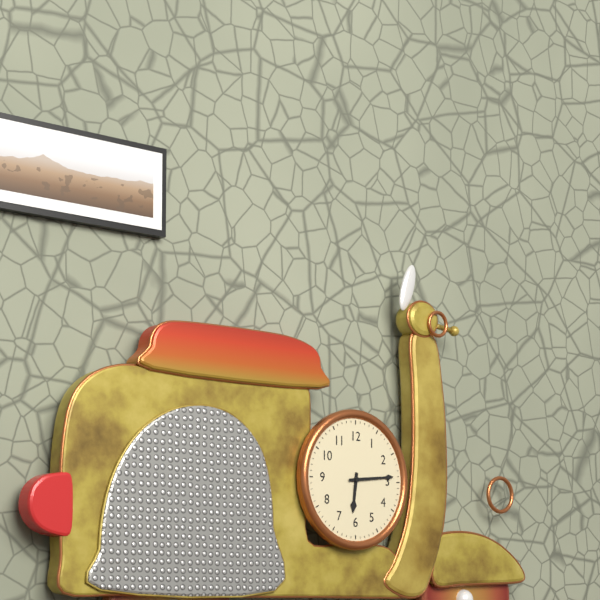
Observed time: 6:14
